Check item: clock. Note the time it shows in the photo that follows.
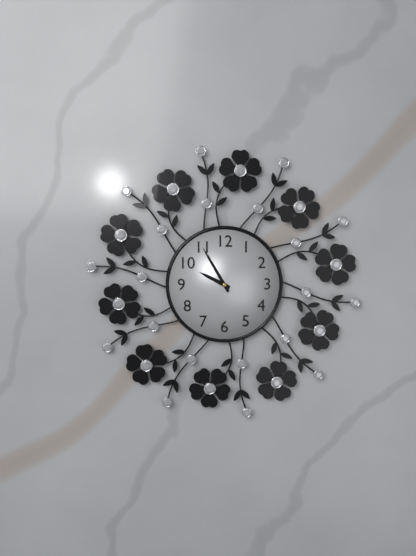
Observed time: 9:55
